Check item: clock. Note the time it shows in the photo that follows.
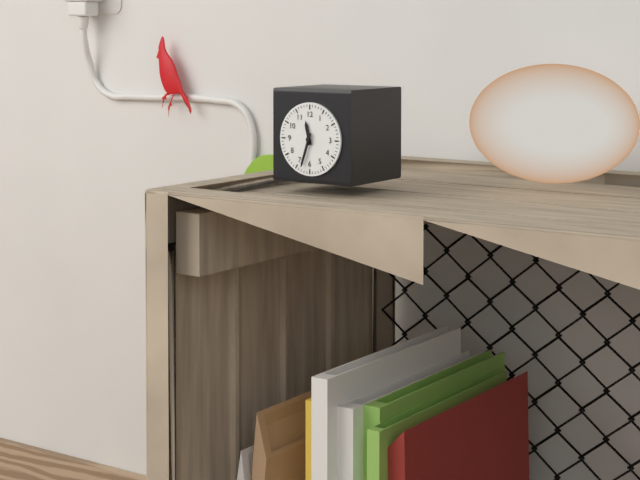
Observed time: 11:33
